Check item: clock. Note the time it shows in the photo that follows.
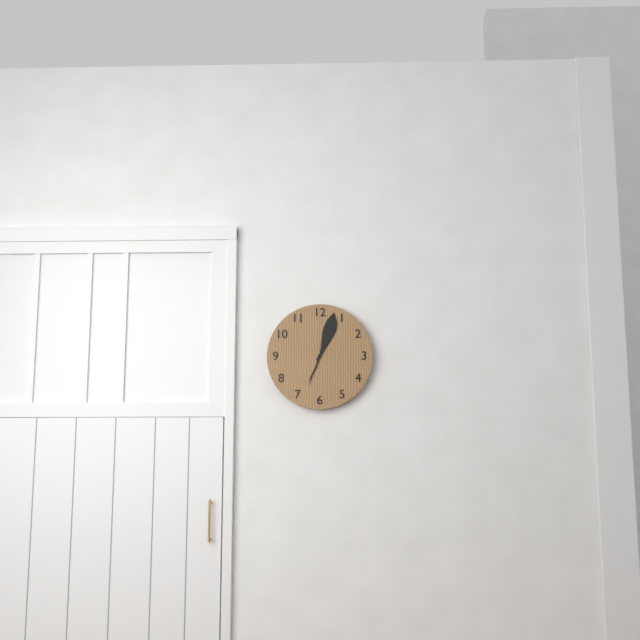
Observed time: 1:03
